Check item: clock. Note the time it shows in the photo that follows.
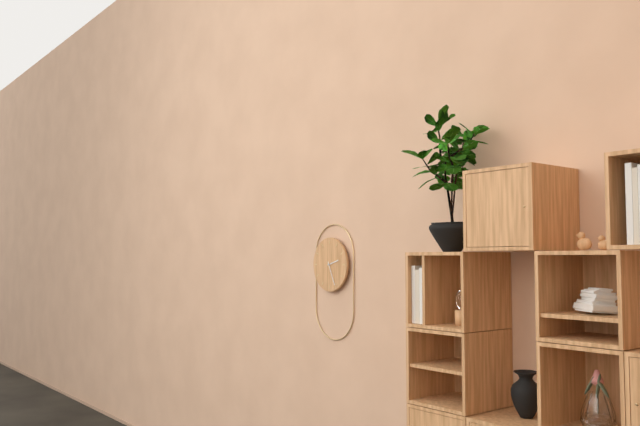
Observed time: 2:26
